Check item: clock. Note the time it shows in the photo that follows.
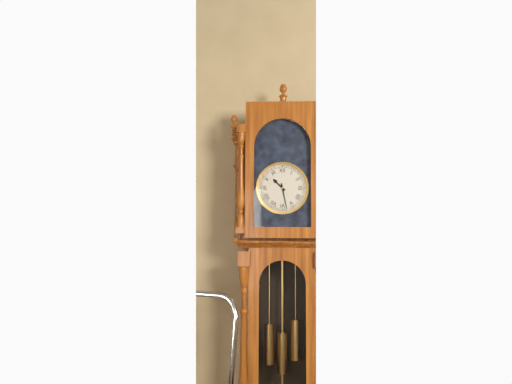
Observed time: 10:28
